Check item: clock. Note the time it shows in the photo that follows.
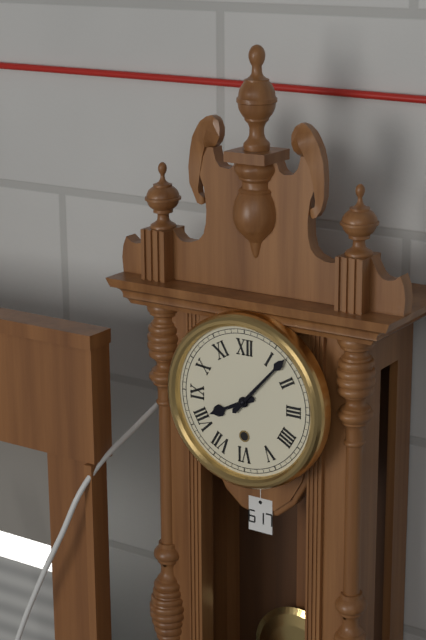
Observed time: 8:07
